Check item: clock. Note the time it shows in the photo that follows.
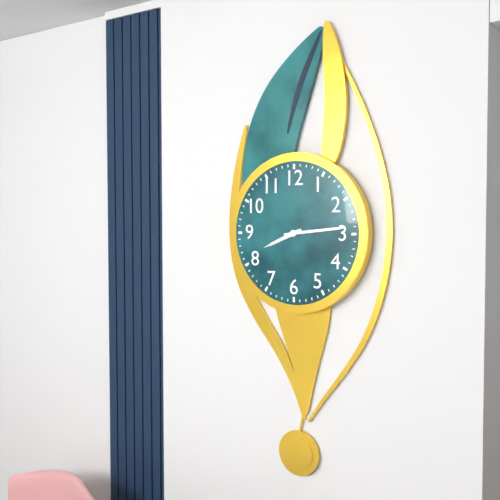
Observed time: 8:14
